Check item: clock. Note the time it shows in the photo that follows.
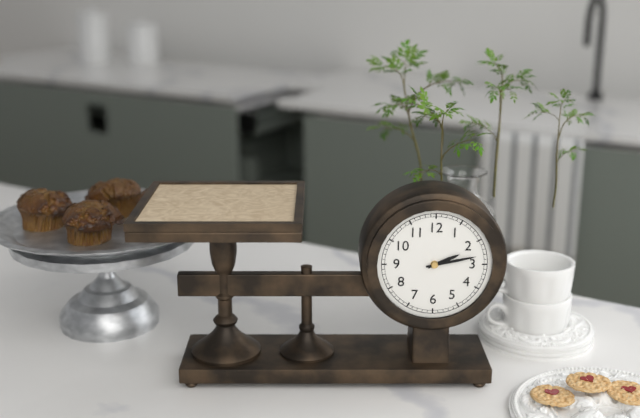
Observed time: 2:13
